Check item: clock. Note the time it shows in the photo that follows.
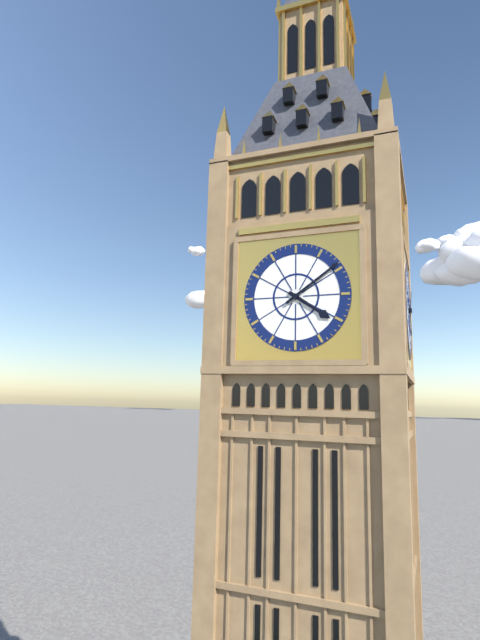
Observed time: 4:09
